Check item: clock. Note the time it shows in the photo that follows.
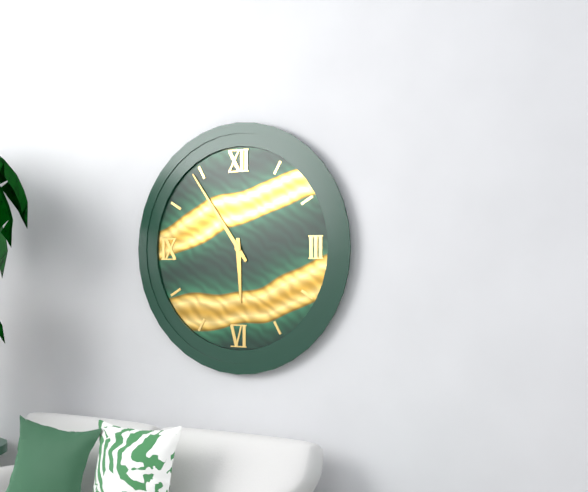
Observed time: 5:54
